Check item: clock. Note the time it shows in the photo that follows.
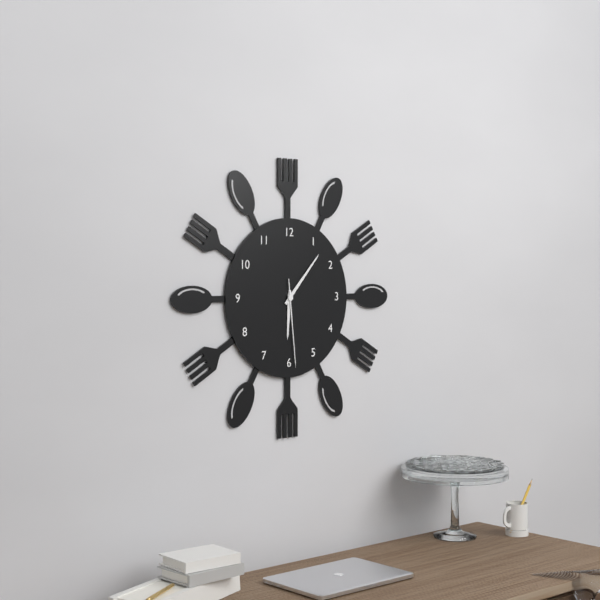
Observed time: 6:07:29
